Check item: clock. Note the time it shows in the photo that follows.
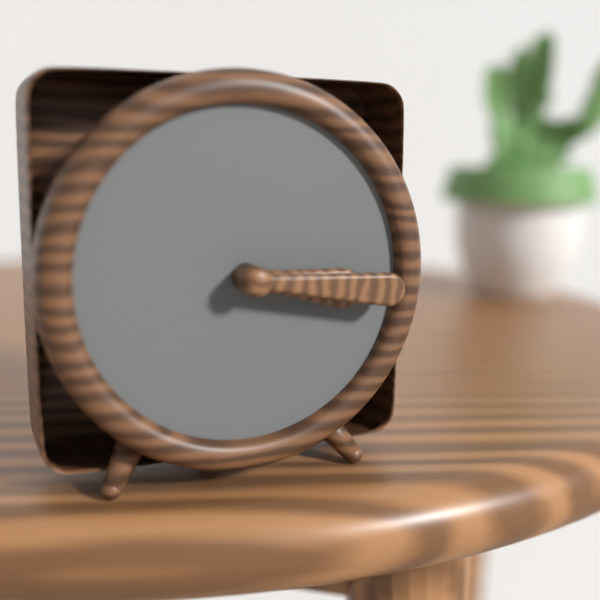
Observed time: 3:16
